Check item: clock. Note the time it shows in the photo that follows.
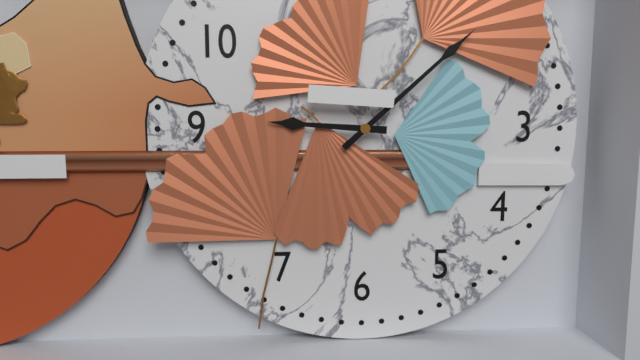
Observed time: 9:08
